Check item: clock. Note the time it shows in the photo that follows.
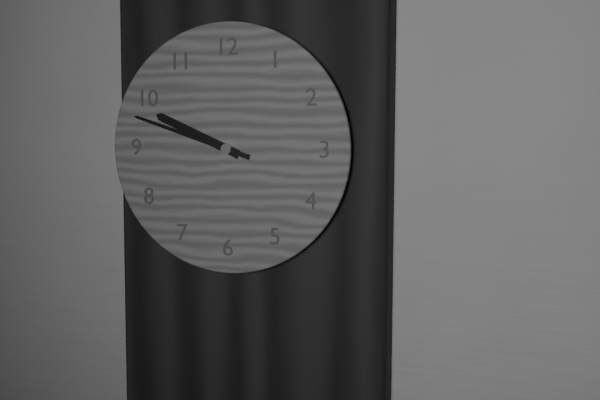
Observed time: 9:48
